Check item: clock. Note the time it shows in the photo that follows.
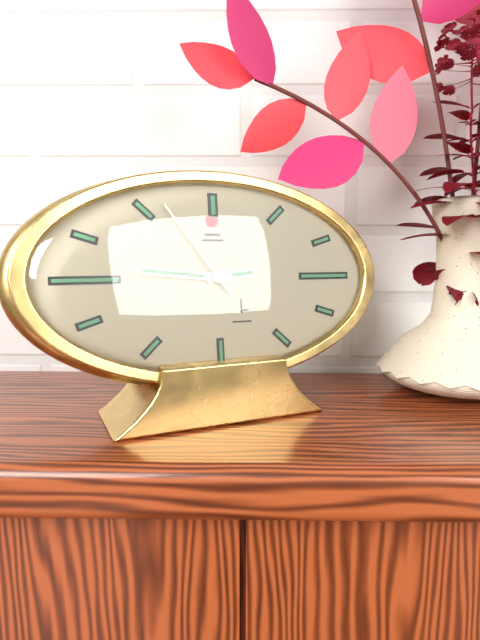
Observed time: 2:46:54
